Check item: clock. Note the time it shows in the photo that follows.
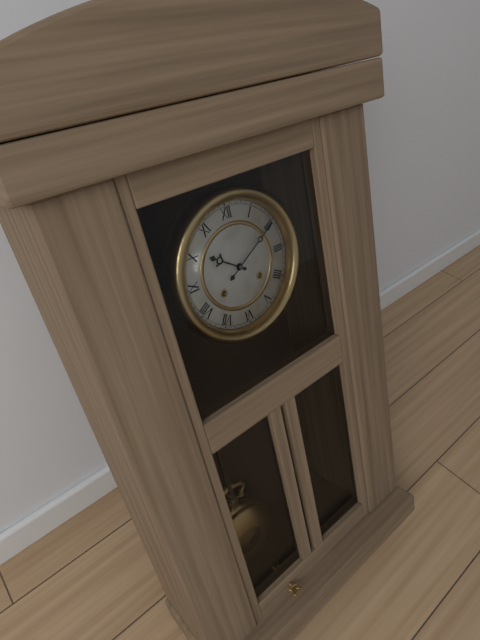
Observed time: 10:10
